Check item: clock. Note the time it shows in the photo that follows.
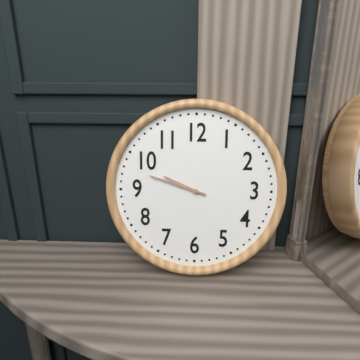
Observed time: 9:48
